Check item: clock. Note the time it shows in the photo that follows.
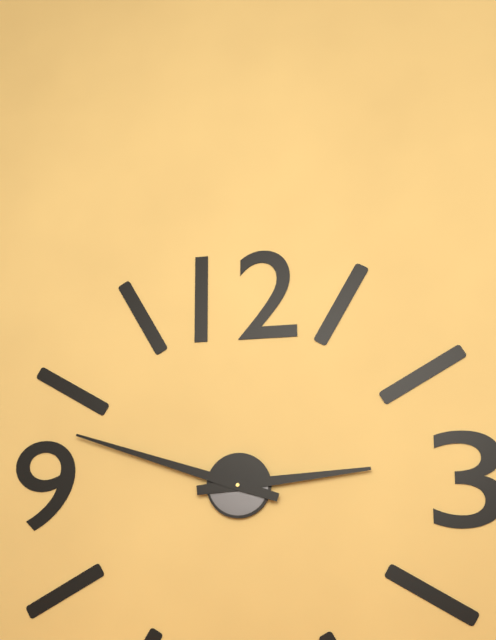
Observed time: 2:48
